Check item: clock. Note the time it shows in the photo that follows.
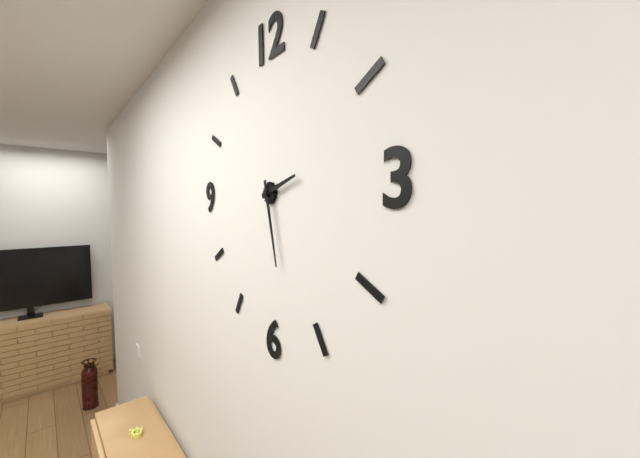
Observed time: 2:28
